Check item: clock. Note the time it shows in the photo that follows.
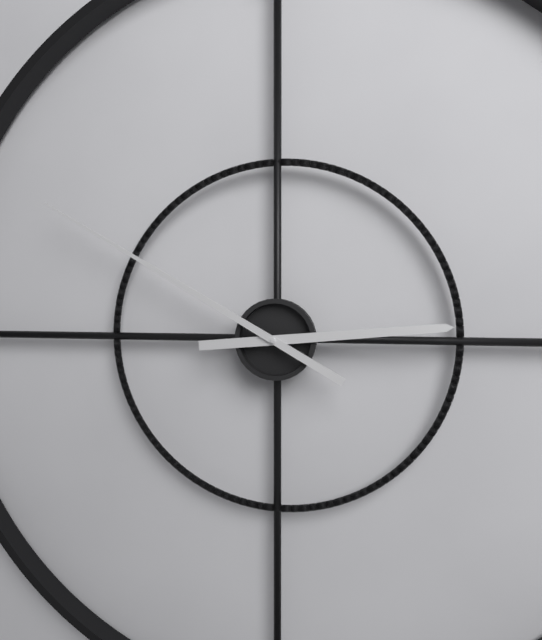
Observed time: 2:50
